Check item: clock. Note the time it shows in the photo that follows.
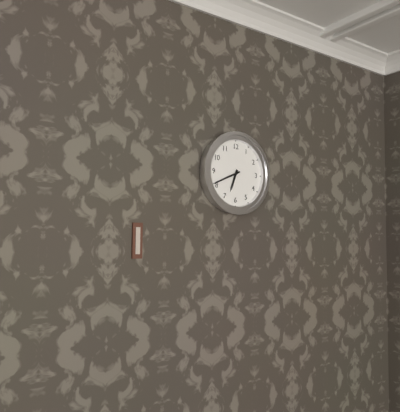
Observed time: 6:41
